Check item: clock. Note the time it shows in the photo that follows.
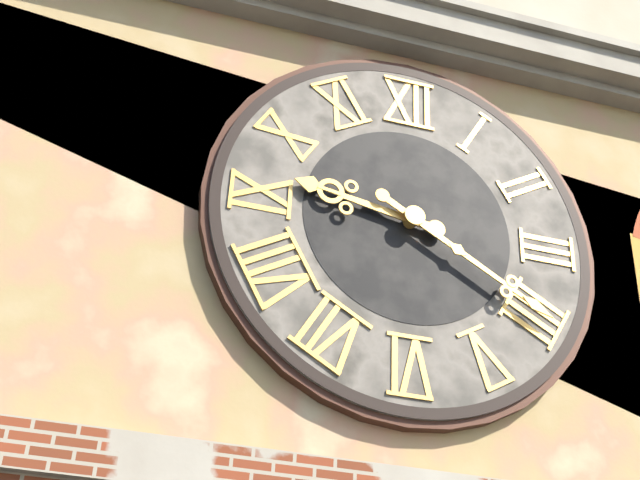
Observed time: 9:20
